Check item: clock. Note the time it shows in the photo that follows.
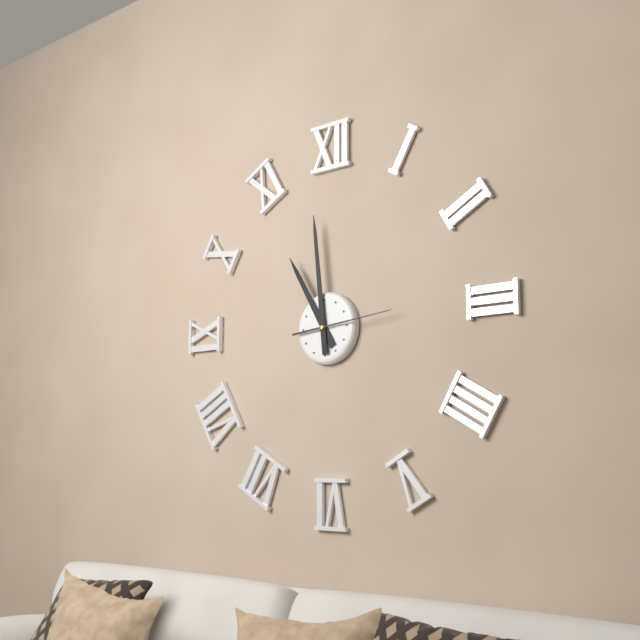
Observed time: 10:59:14
